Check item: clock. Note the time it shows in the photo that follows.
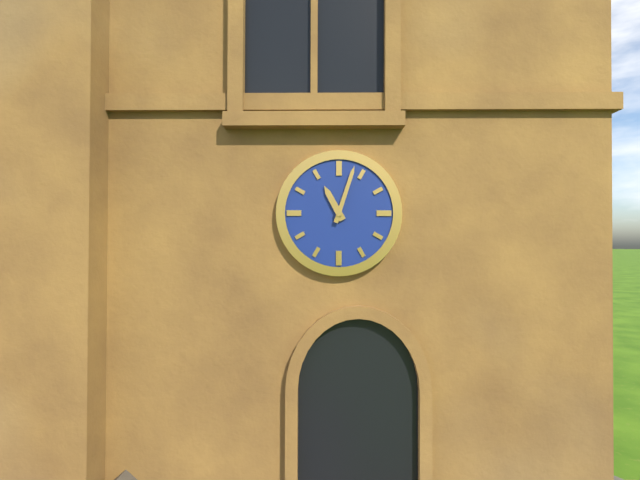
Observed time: 11:03
